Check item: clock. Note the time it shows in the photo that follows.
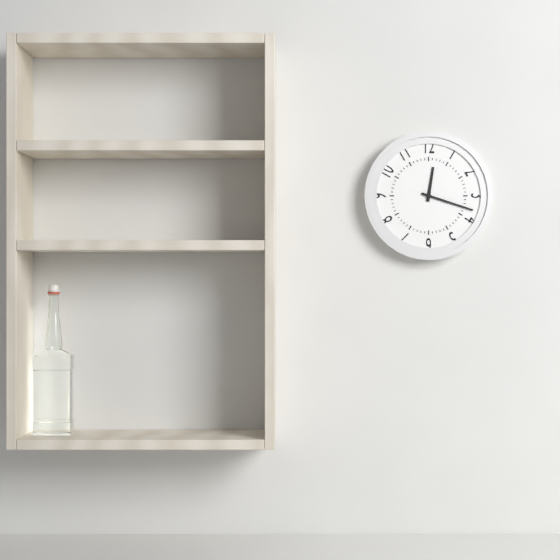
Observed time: 12:18
